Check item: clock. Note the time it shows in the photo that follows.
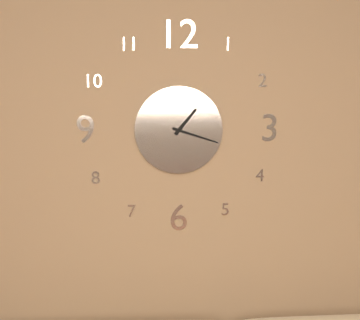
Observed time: 1:18
